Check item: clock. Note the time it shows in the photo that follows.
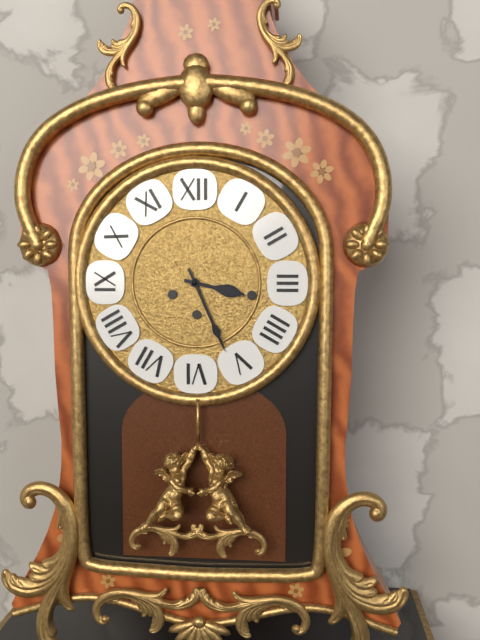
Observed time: 3:26
